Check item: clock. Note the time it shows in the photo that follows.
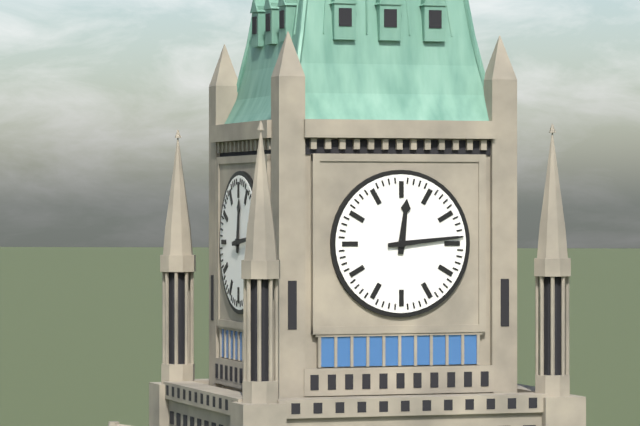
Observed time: 12:14
